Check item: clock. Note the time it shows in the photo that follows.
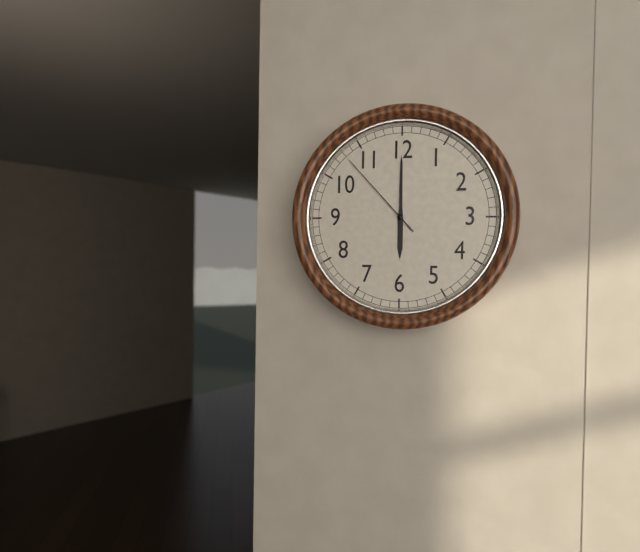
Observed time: 6:00:53
